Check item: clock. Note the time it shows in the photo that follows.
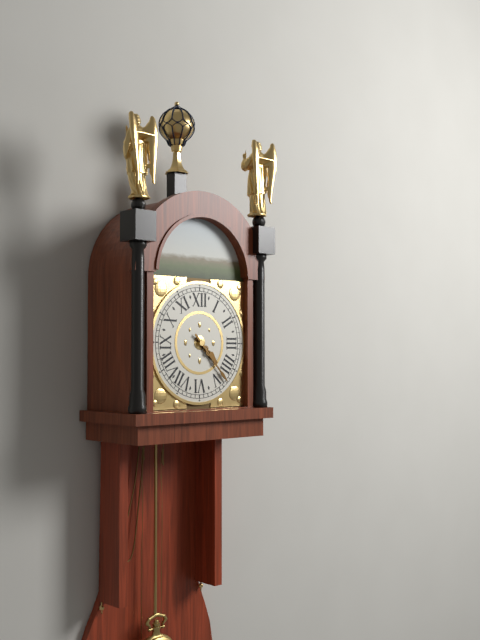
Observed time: 4:23
